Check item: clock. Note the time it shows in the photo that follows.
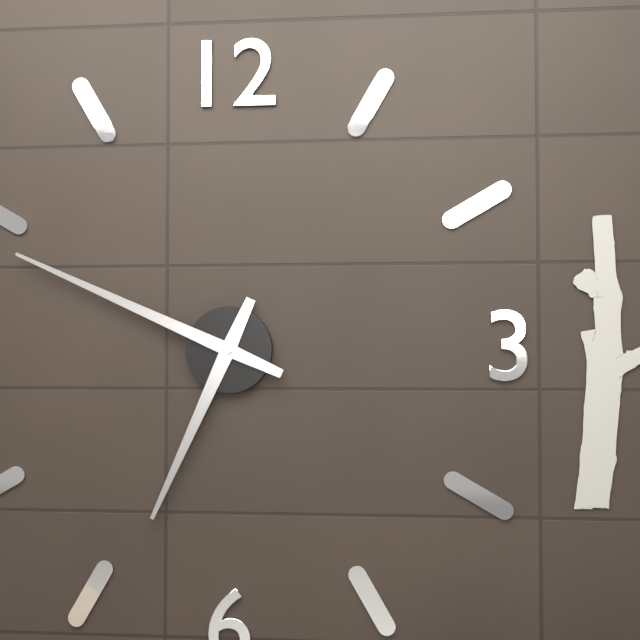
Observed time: 6:49
